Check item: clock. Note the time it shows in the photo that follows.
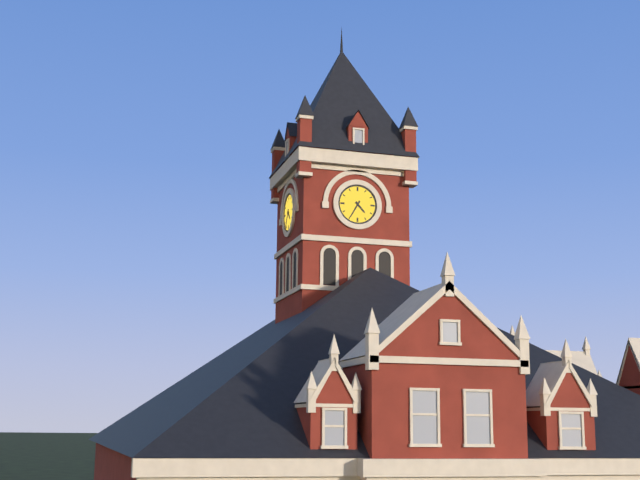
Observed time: 4:35
